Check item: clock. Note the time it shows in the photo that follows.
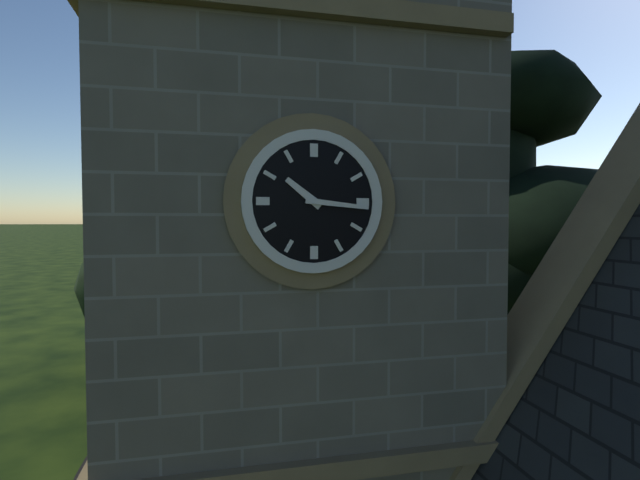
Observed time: 10:16
